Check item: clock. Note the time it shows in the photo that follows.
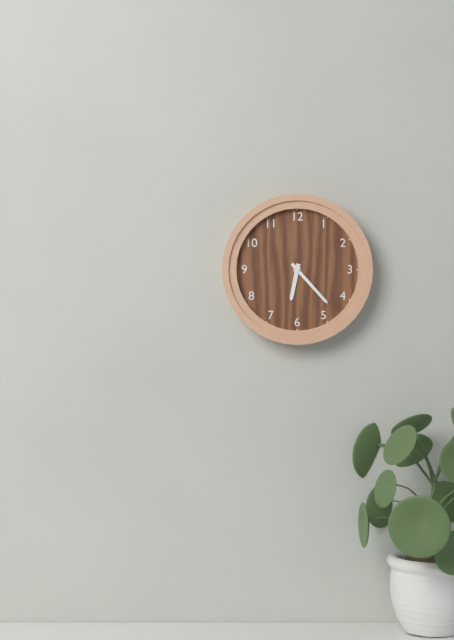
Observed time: 6:23
